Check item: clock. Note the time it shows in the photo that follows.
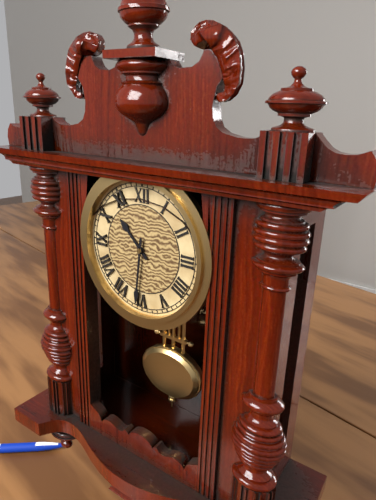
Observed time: 10:31
